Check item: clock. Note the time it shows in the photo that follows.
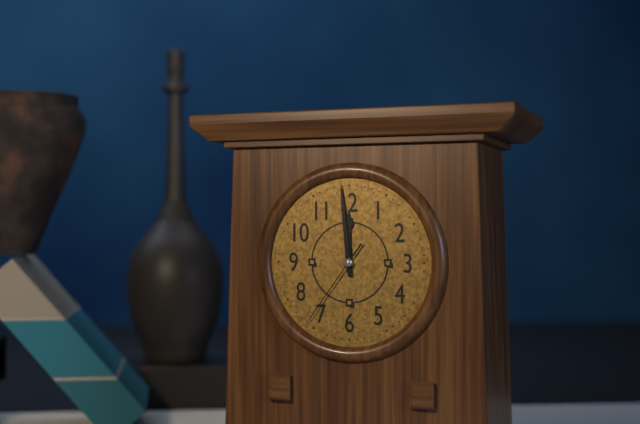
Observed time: 11:59:36
